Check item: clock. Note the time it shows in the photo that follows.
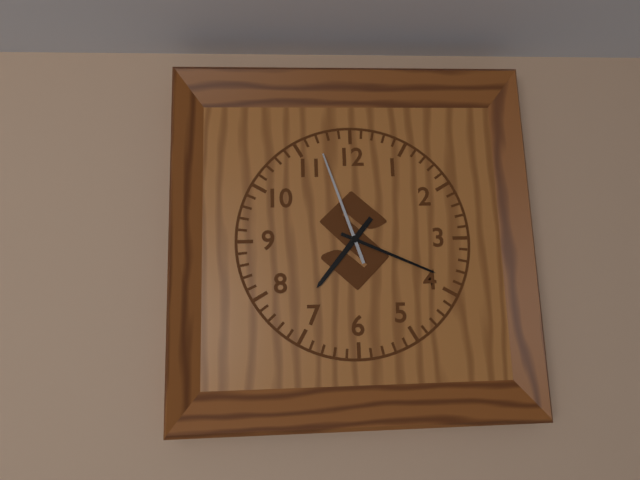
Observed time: 7:19:57
